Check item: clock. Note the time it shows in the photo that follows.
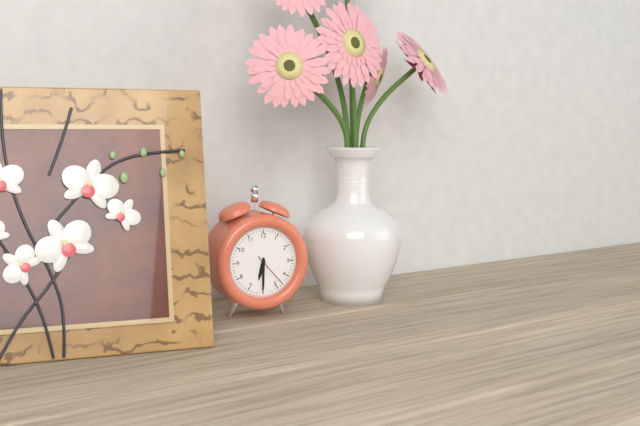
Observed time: 6:30
